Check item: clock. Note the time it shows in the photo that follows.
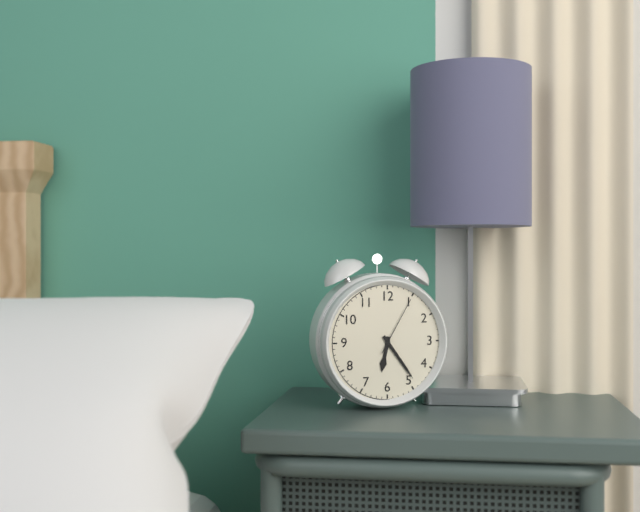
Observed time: 6:24:05
